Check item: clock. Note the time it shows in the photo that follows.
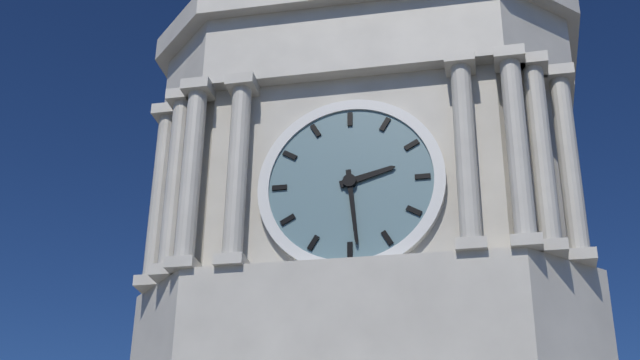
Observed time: 2:29
